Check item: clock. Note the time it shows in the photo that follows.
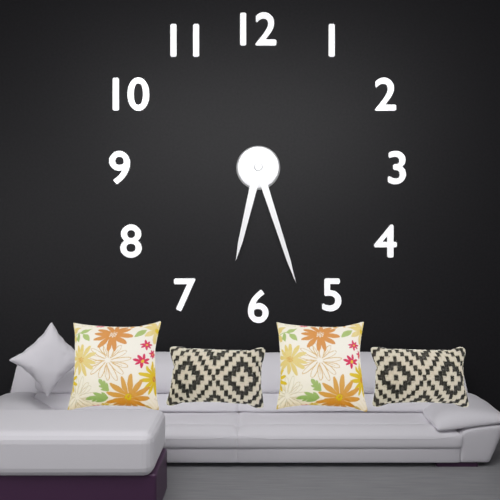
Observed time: 6:27
